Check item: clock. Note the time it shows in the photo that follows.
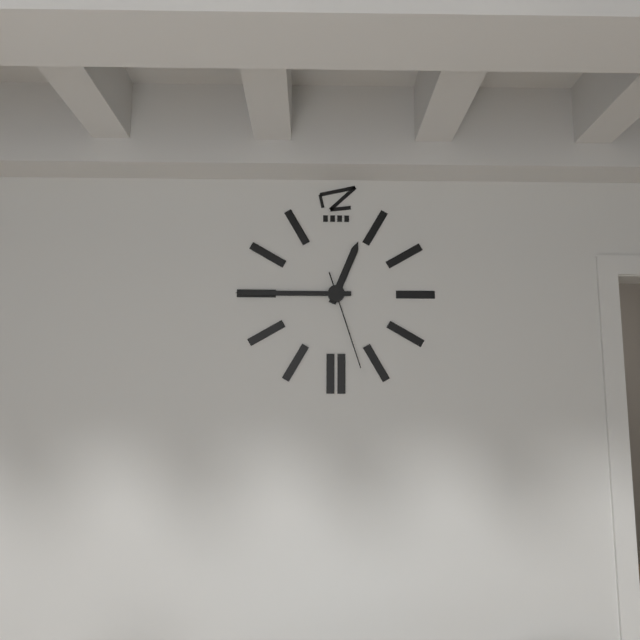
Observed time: 12:45:27
